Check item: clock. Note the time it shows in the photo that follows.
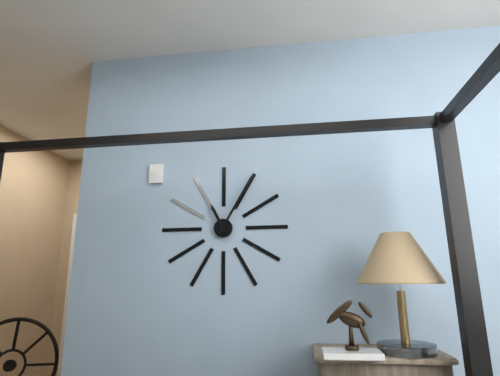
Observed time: 11:05
